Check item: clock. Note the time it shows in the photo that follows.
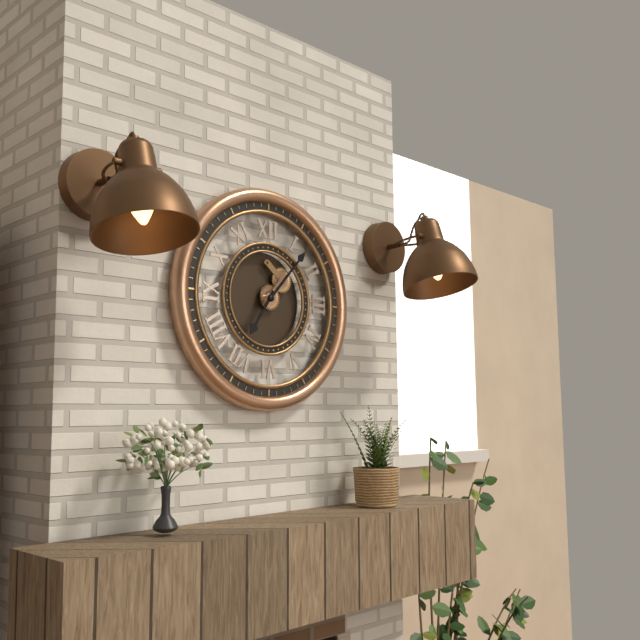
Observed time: 7:07
